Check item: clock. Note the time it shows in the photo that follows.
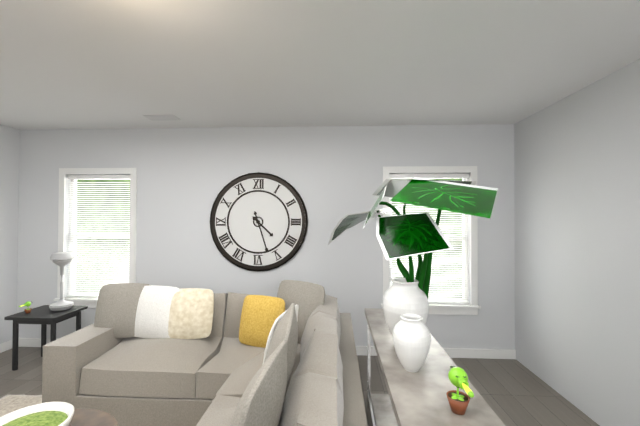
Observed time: 4:27
